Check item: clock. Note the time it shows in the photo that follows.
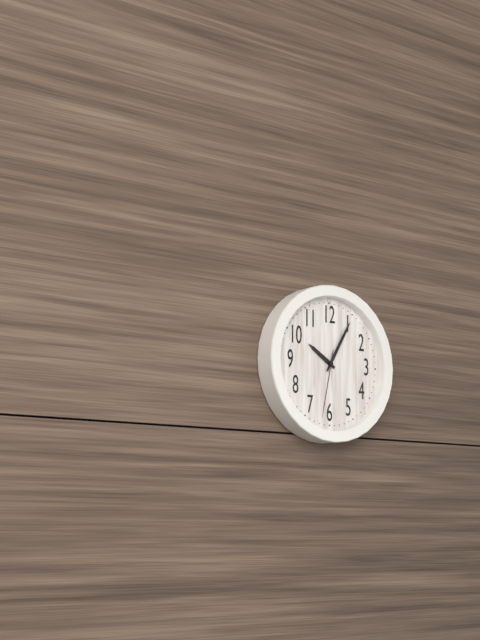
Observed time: 10:05:32
